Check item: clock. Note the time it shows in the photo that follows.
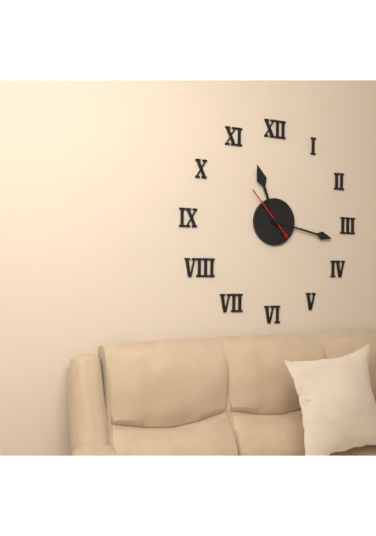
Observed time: 11:17:53
